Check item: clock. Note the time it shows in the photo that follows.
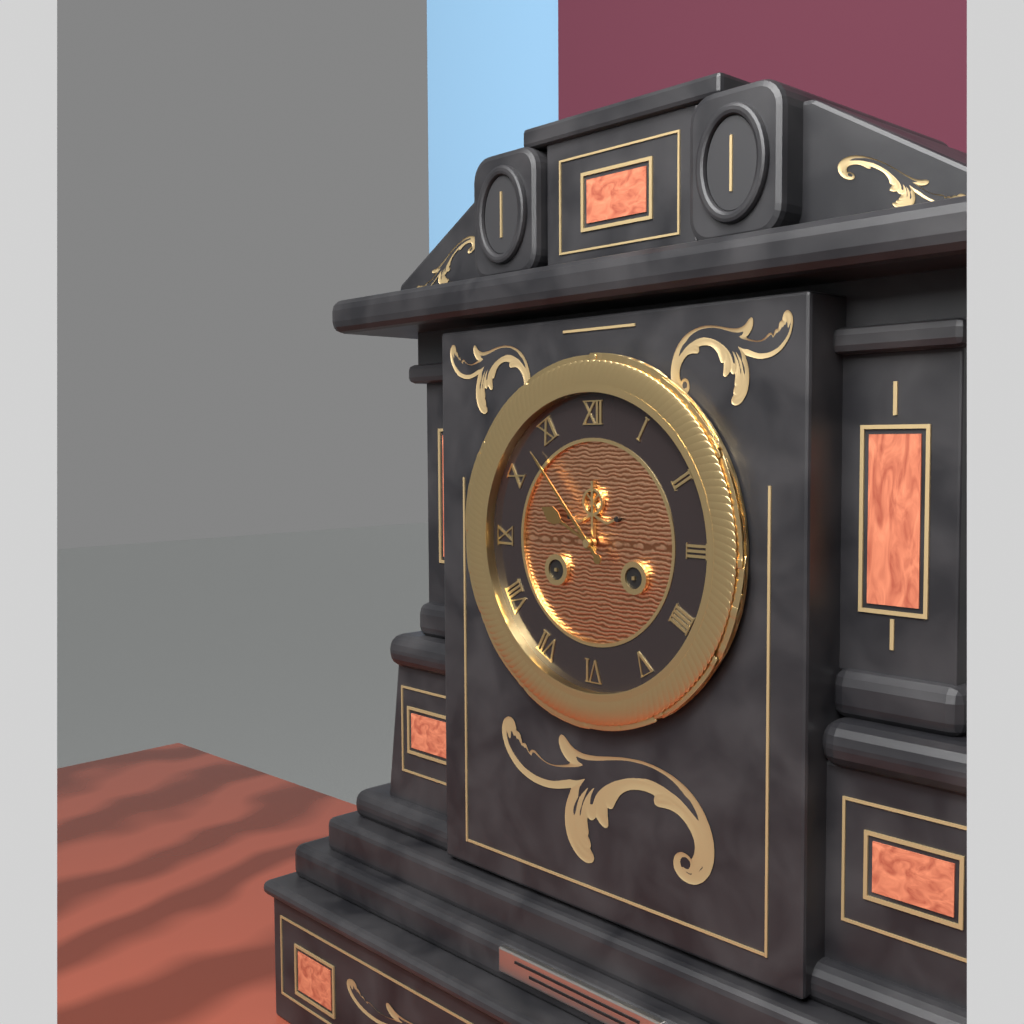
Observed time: 9:53
